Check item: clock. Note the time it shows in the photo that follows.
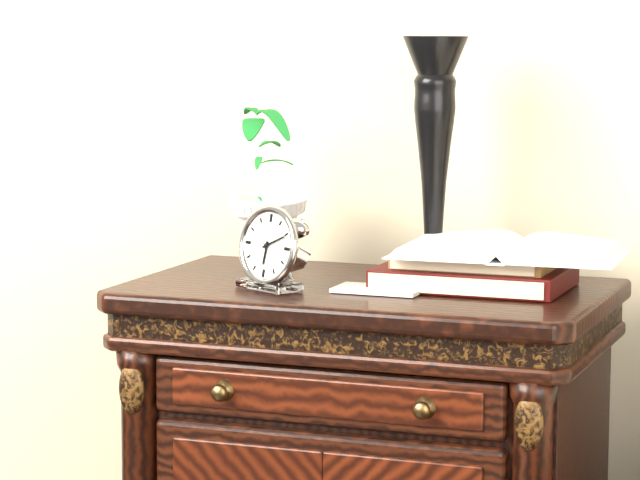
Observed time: 6:11
